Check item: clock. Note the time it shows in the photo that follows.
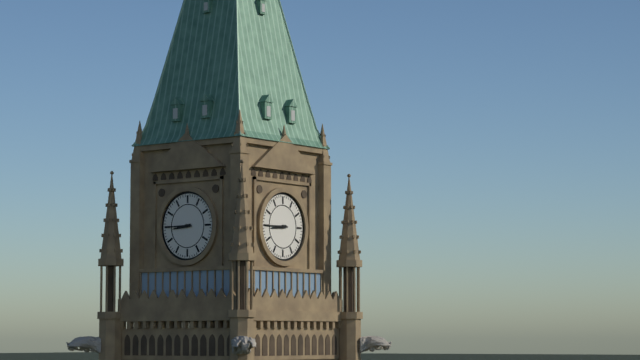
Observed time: 8:45
